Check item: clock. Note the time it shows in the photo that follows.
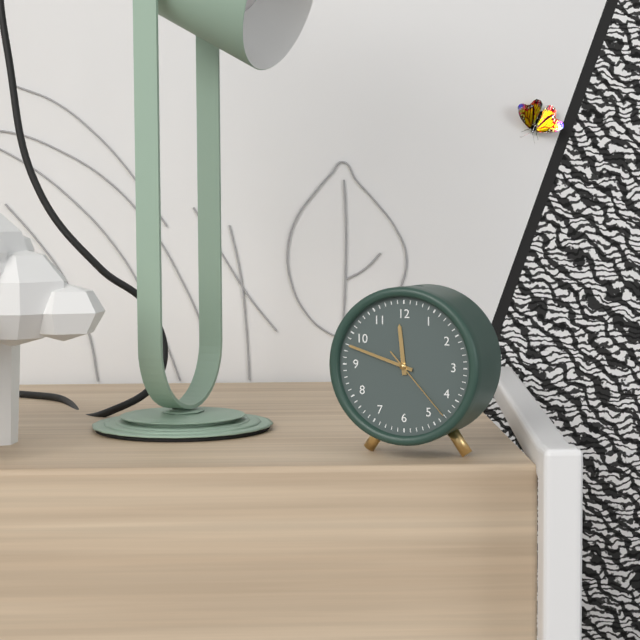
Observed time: 11:48:23
